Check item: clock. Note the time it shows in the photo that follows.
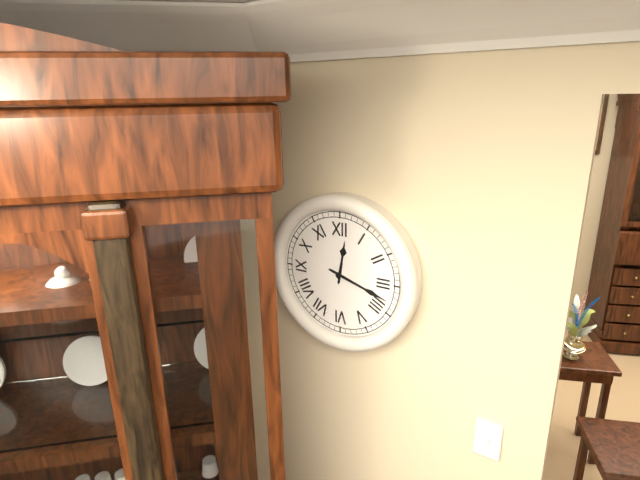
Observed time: 12:18
